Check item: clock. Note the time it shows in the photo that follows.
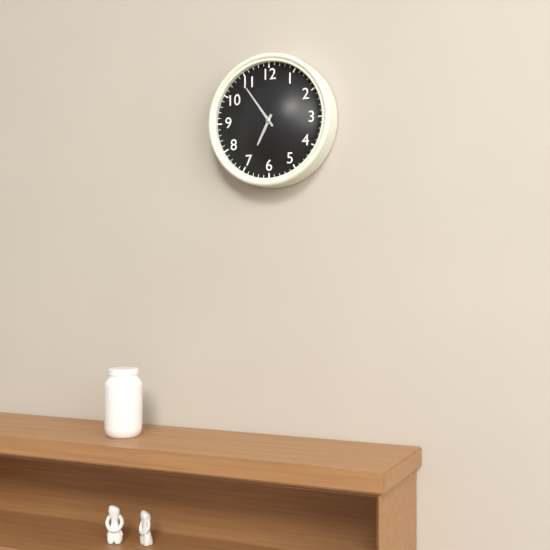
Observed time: 6:54
